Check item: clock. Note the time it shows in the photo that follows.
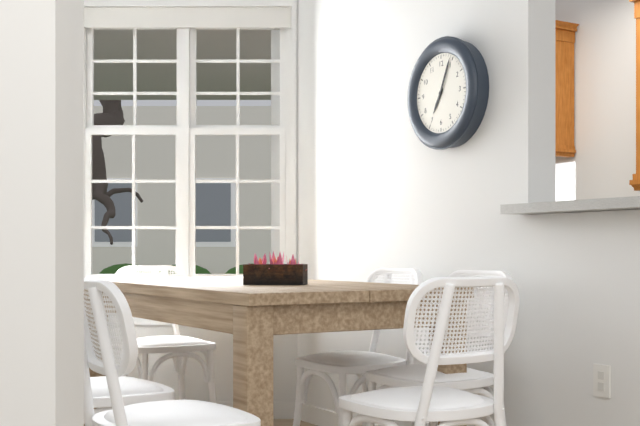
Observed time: 7:04
